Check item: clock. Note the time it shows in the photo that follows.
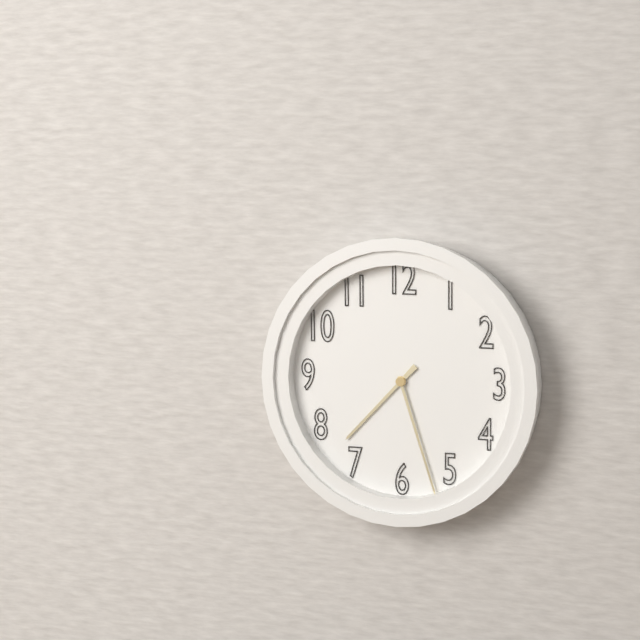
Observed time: 7:27
